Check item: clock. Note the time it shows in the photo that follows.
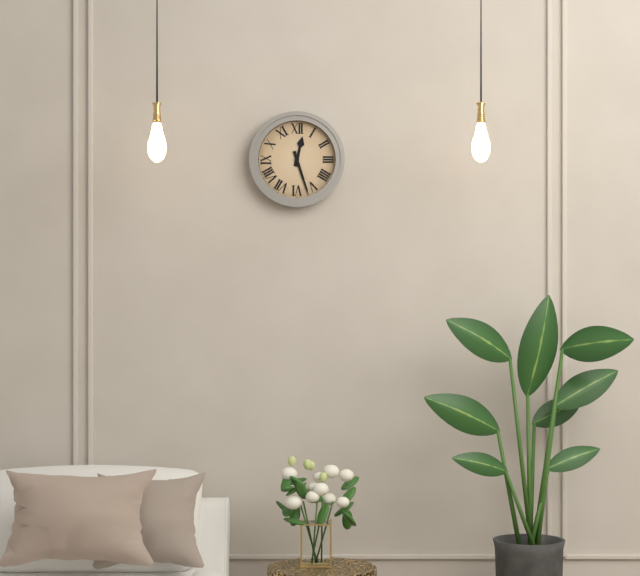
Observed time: 12:27
